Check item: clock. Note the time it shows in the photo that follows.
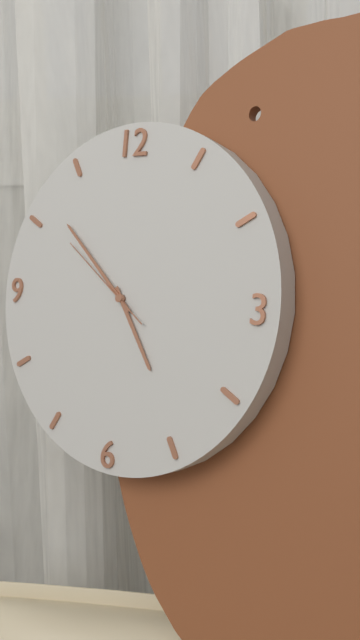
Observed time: 4:52:51
